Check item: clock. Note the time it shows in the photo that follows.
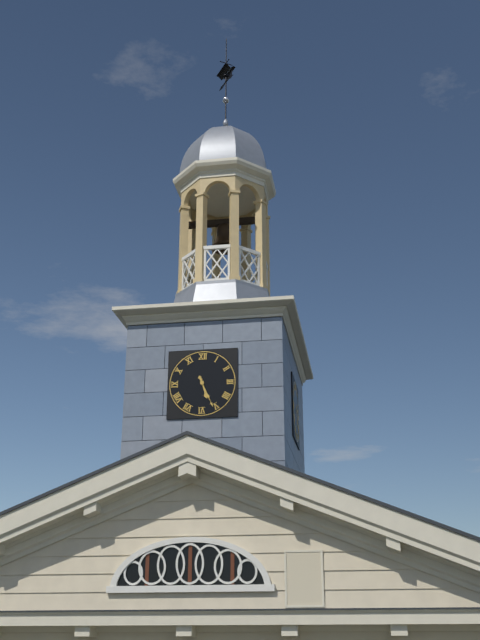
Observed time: 5:26
